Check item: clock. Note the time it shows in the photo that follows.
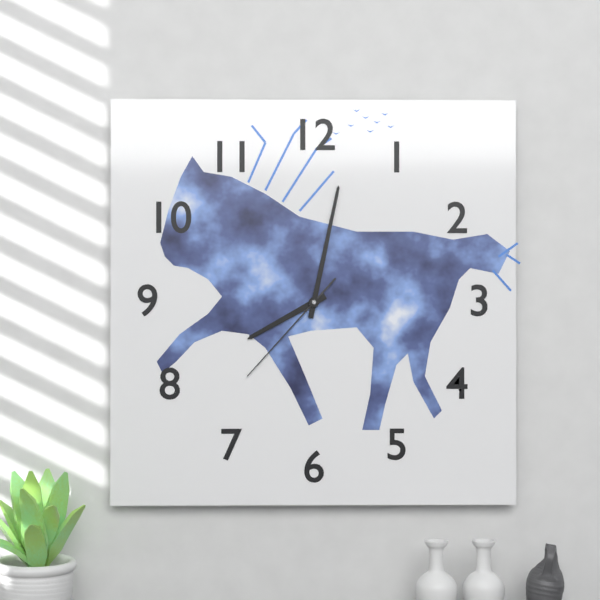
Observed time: 8:02:37
